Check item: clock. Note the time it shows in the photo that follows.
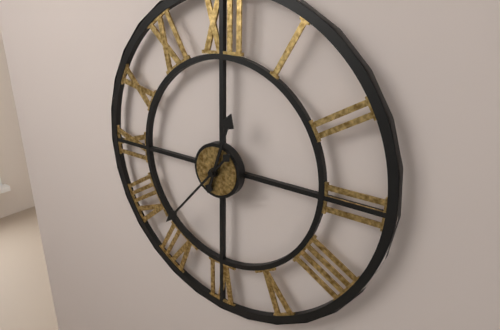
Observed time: 12:37
